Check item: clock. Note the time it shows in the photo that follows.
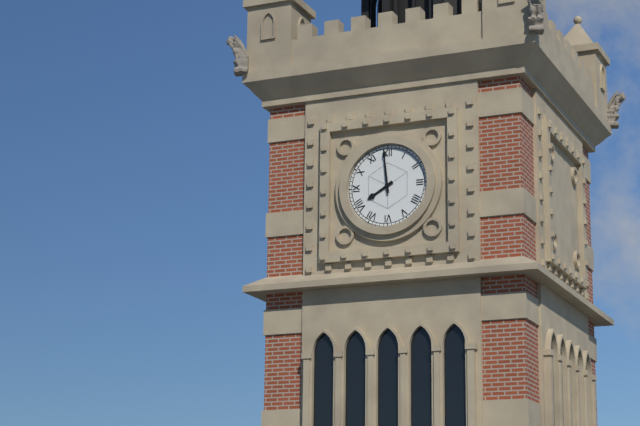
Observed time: 7:59
